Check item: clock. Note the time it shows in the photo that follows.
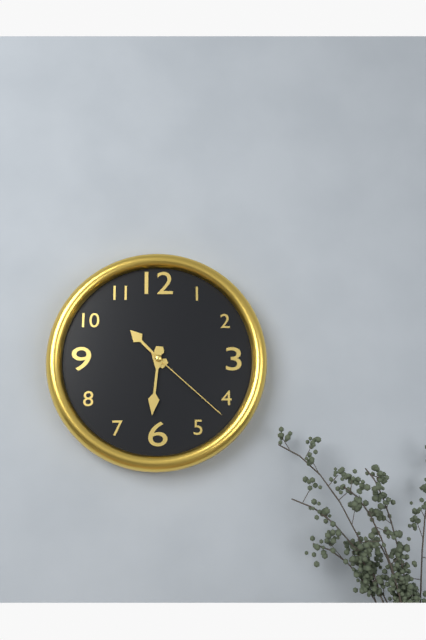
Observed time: 10:31:22
